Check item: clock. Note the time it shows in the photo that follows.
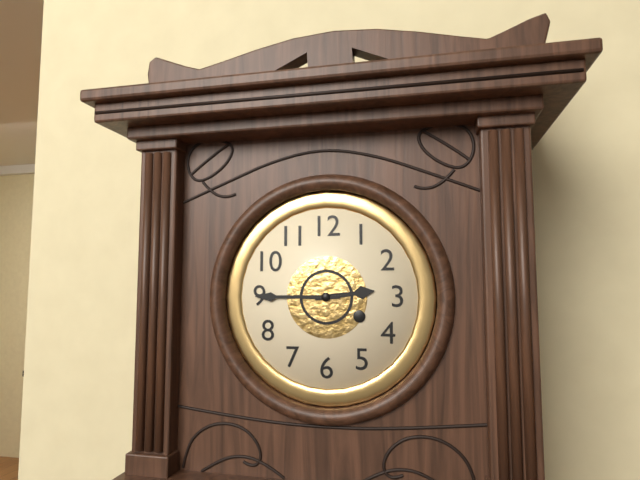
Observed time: 2:45
